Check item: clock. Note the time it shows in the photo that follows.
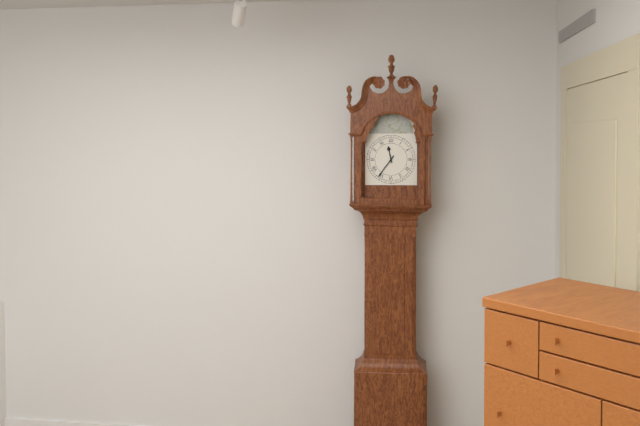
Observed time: 11:36
